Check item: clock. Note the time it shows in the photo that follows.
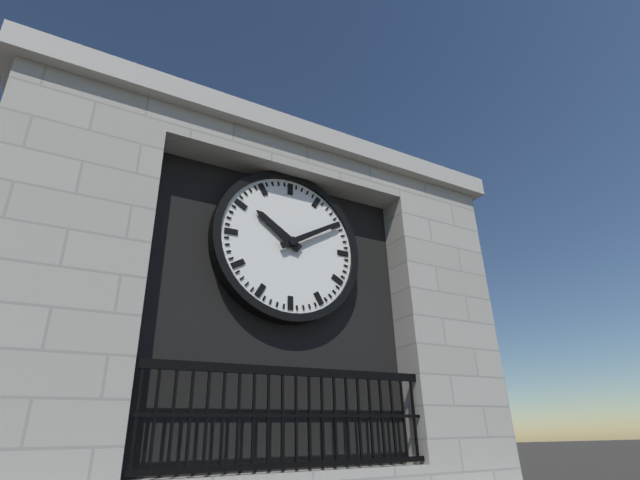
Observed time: 10:10
